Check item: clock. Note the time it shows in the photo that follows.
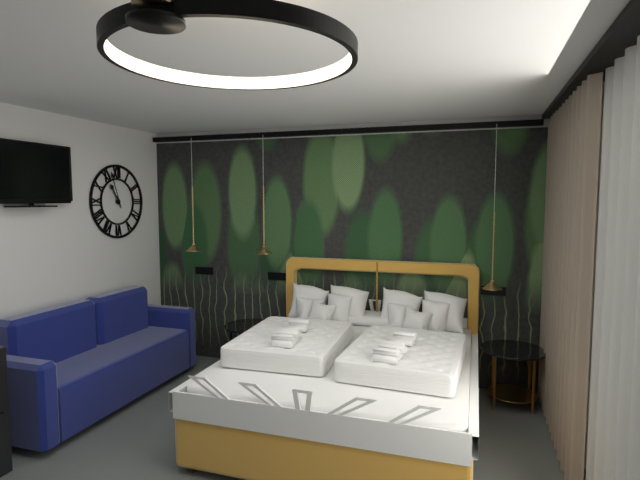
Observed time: 10:57
